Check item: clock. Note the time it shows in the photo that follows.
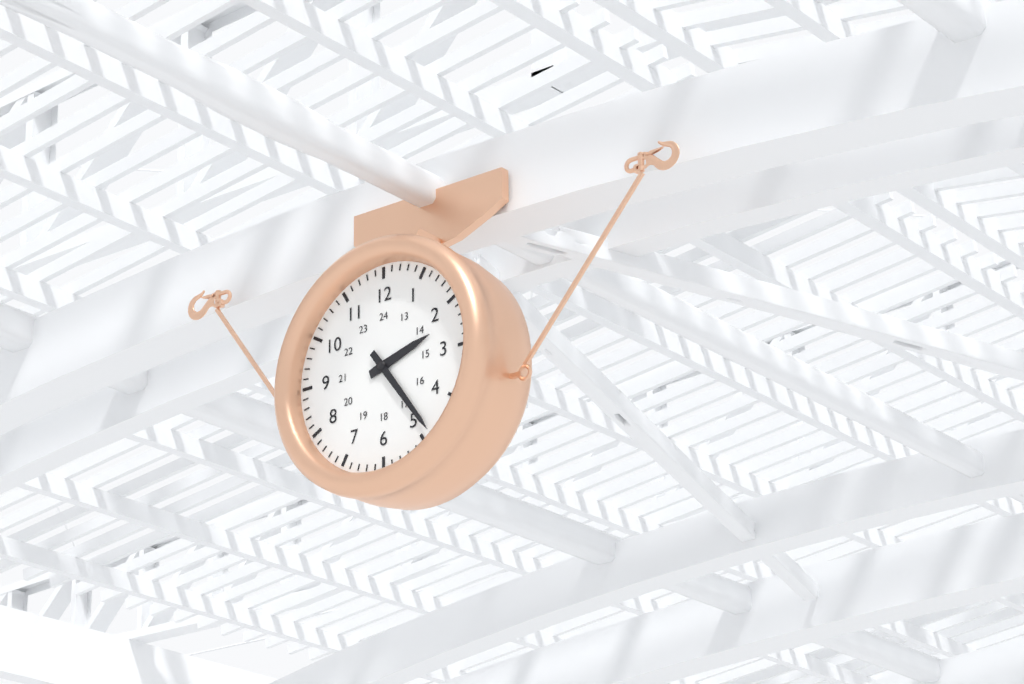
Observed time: 2:24
